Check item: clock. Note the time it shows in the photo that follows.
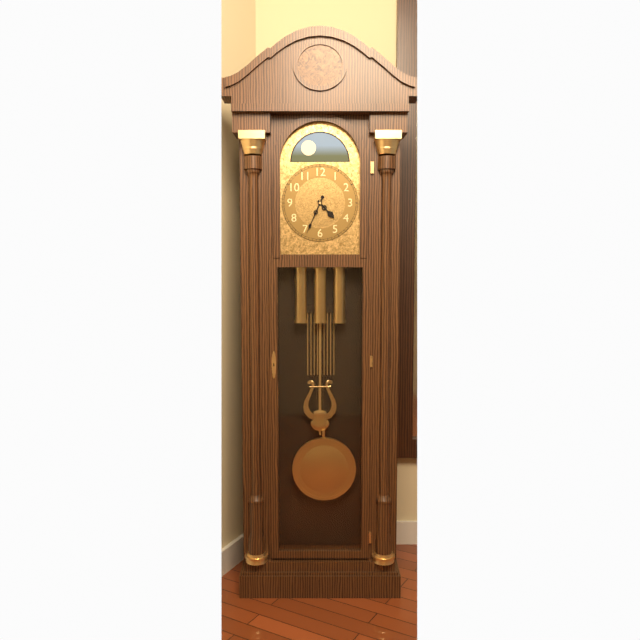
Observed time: 4:34
